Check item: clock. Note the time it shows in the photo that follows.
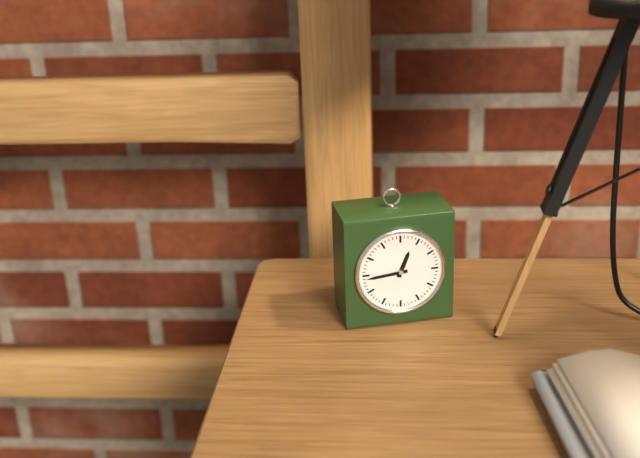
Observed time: 12:44
